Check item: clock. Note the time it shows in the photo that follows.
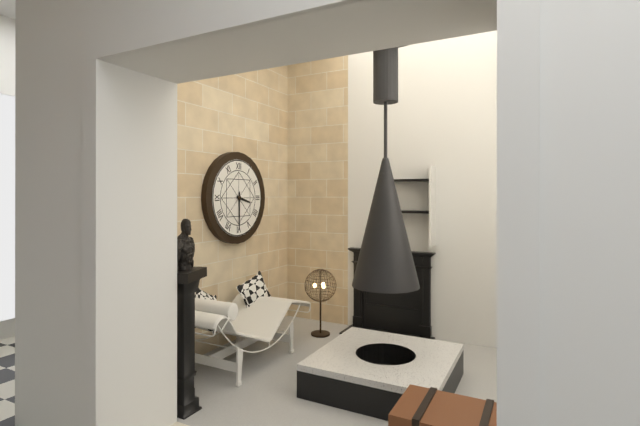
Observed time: 3:30
